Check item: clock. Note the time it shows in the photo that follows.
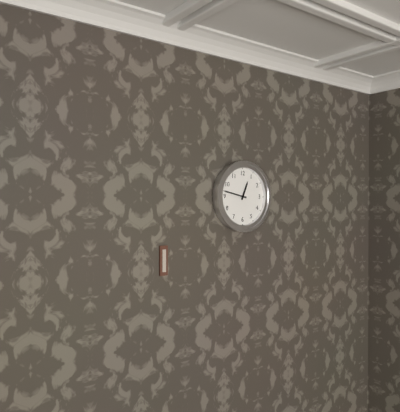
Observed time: 12:47
